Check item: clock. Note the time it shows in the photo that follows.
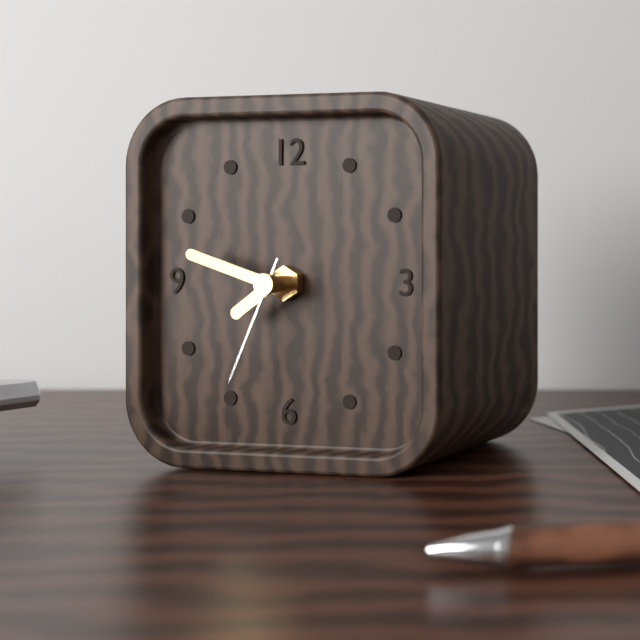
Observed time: 7:48:34
